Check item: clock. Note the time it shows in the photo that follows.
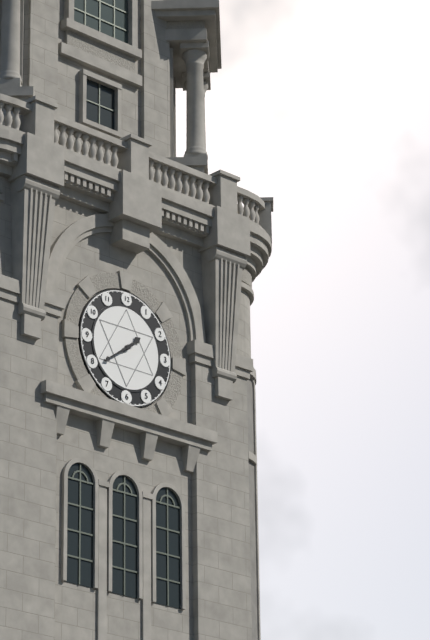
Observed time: 1:39
